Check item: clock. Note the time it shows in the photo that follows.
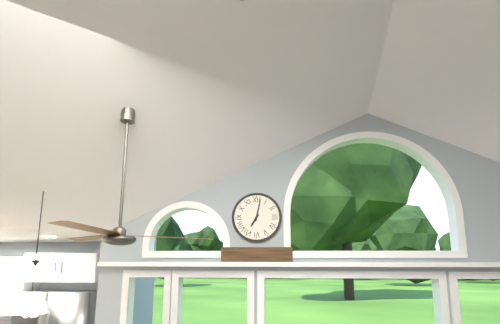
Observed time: 7:02
